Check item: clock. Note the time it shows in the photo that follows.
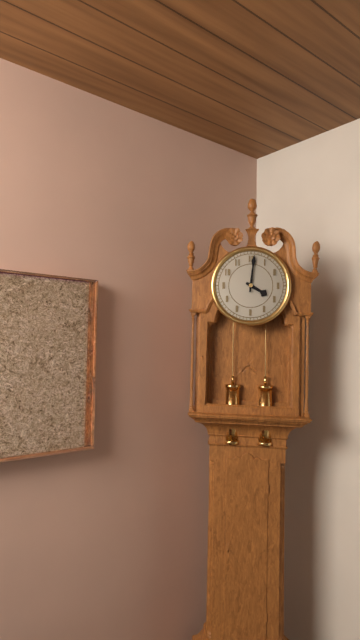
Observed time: 4:01
